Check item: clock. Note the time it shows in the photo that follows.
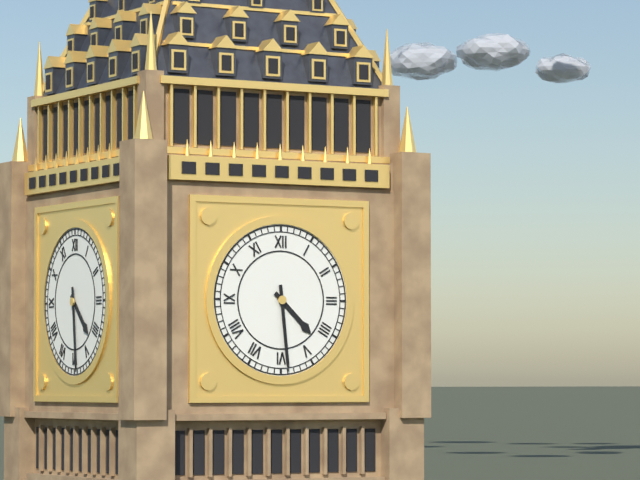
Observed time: 4:29
